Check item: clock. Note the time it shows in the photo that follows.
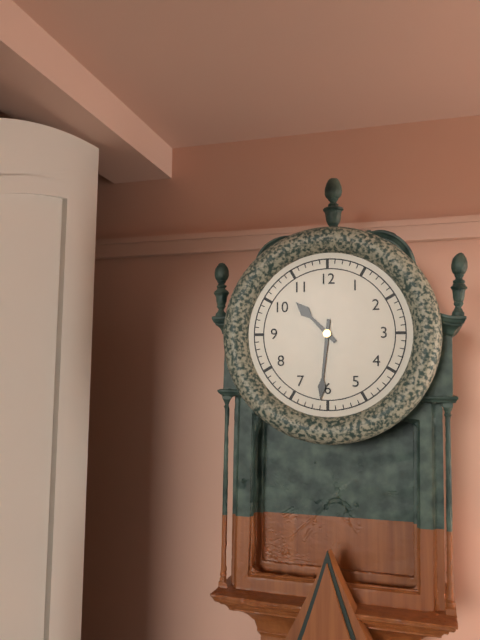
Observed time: 10:31
